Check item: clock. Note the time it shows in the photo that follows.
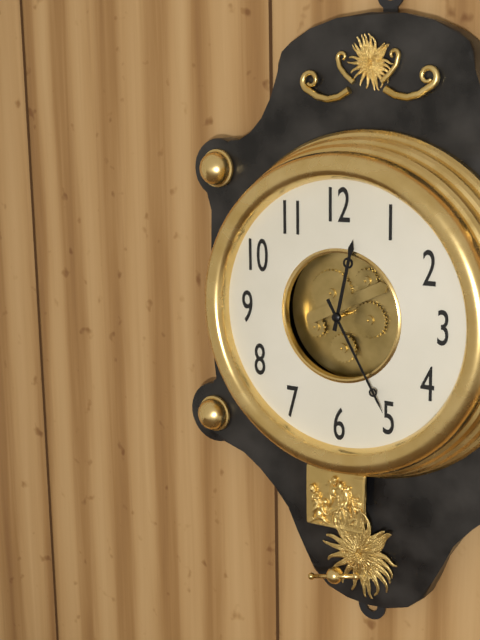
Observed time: 12:25
